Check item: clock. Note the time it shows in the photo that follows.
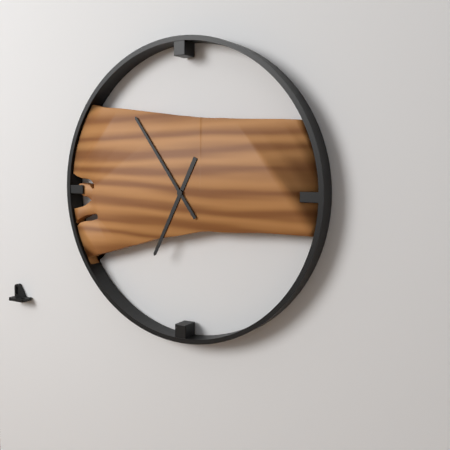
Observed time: 6:54
